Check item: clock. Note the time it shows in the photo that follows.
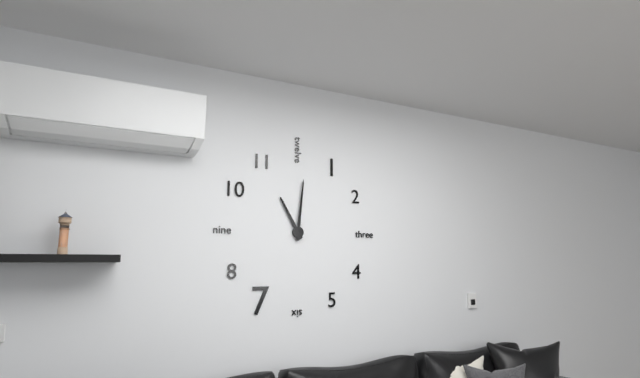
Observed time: 11:01
